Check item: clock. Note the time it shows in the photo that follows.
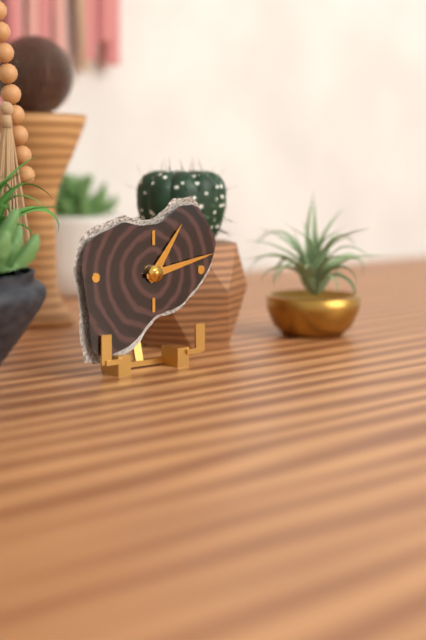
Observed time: 1:13
